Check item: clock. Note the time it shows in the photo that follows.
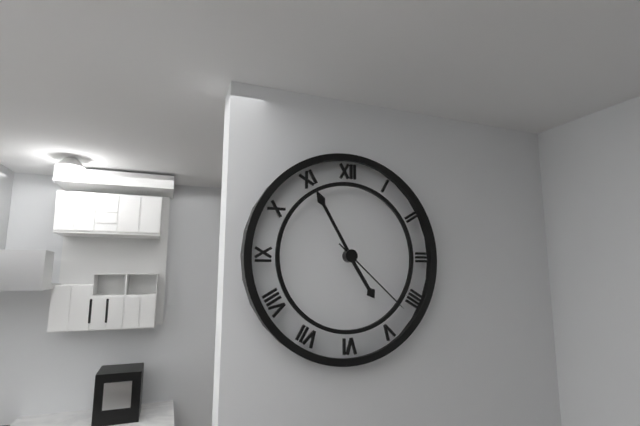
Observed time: 4:55:22
